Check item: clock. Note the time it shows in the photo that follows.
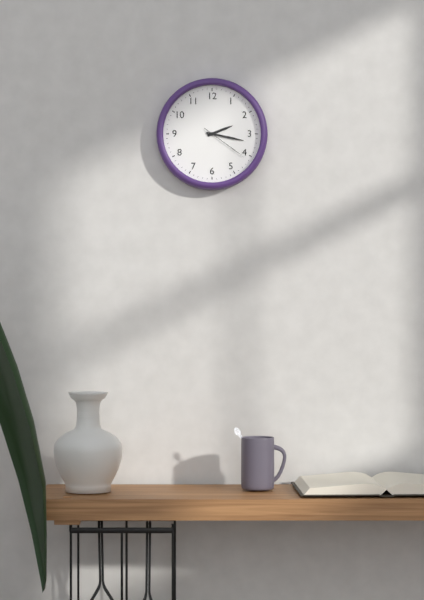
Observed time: 2:17
